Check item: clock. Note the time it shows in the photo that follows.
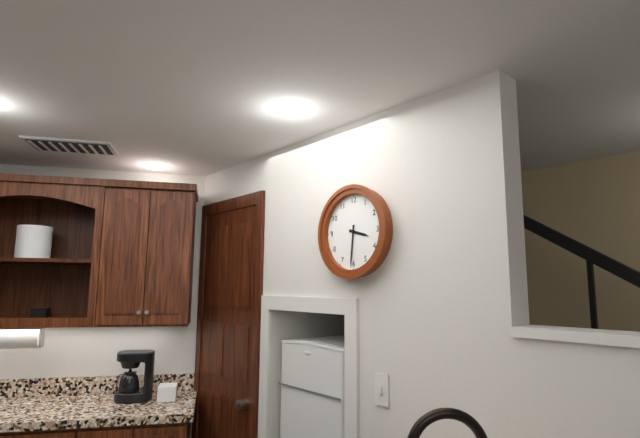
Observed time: 3:31
